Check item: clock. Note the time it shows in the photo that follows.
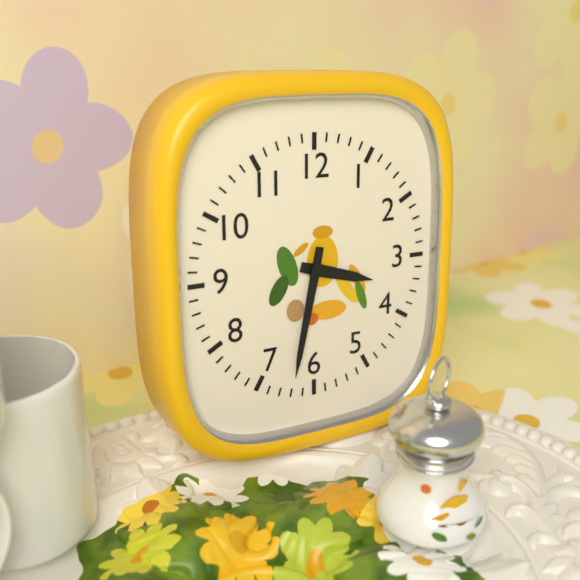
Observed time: 3:32
